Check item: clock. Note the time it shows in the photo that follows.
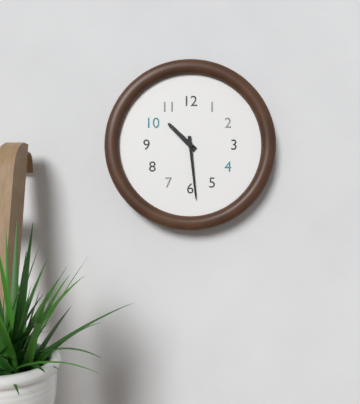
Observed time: 10:29
